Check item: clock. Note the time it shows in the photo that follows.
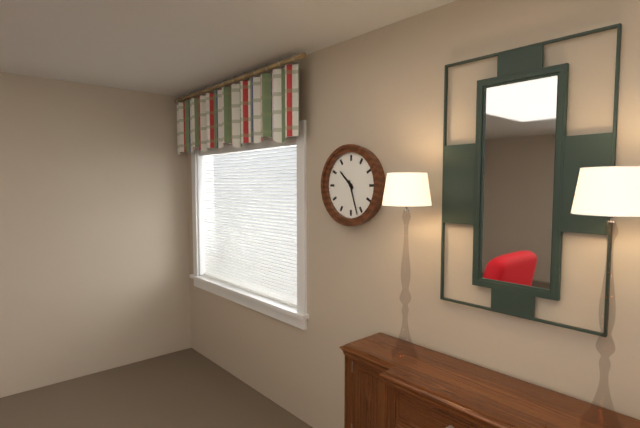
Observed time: 10:27
